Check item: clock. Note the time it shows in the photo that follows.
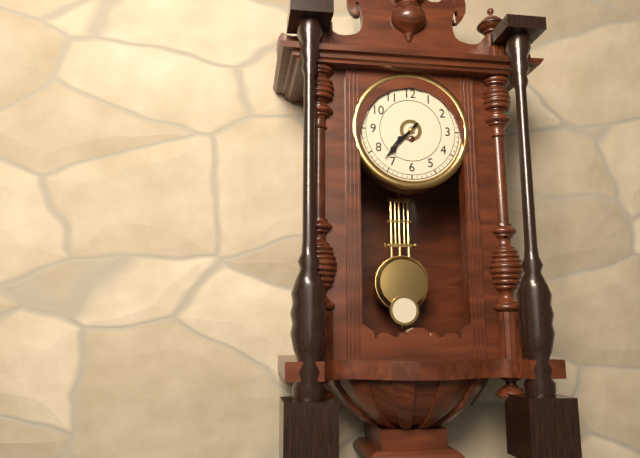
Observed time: 7:37
